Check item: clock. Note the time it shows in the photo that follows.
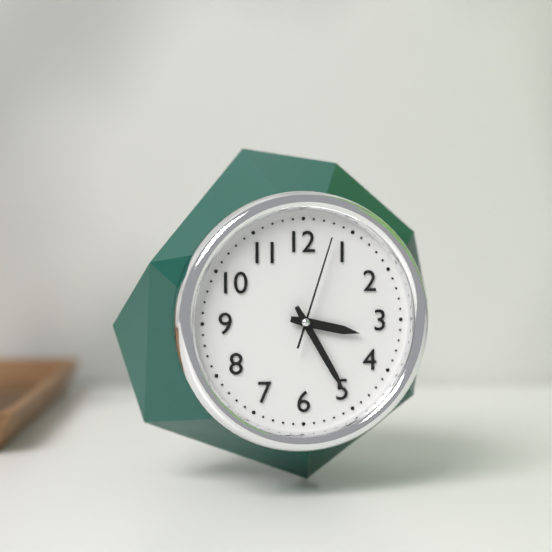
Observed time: 3:25:03
